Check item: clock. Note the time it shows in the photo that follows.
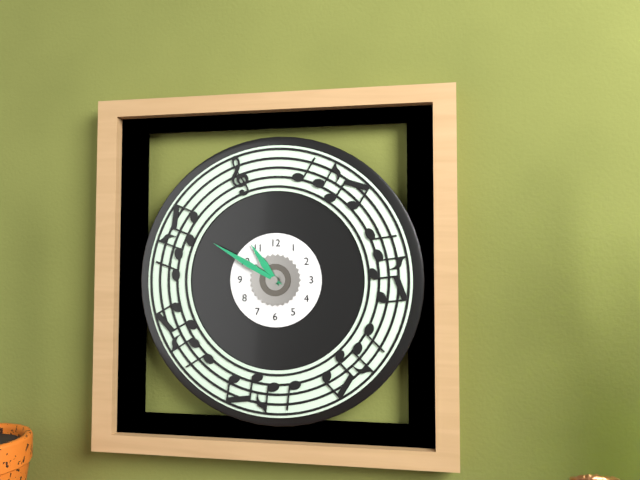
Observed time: 10:50
